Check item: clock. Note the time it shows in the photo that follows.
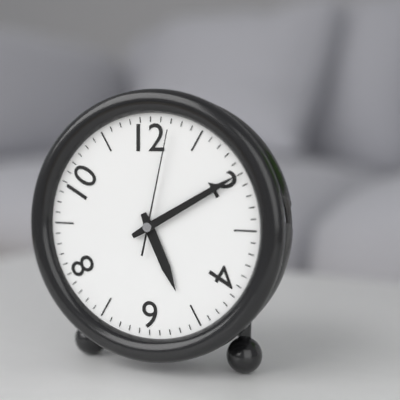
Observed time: 5:10:02
